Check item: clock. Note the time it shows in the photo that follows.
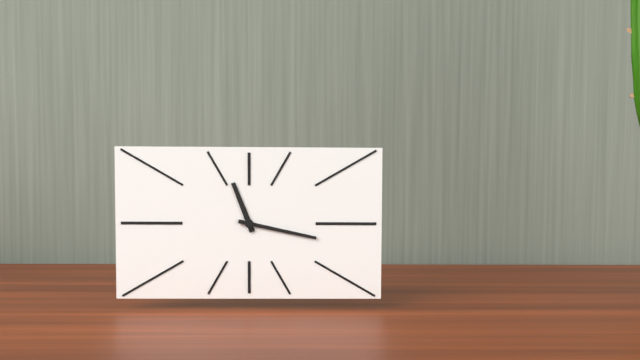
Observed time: 11:17
